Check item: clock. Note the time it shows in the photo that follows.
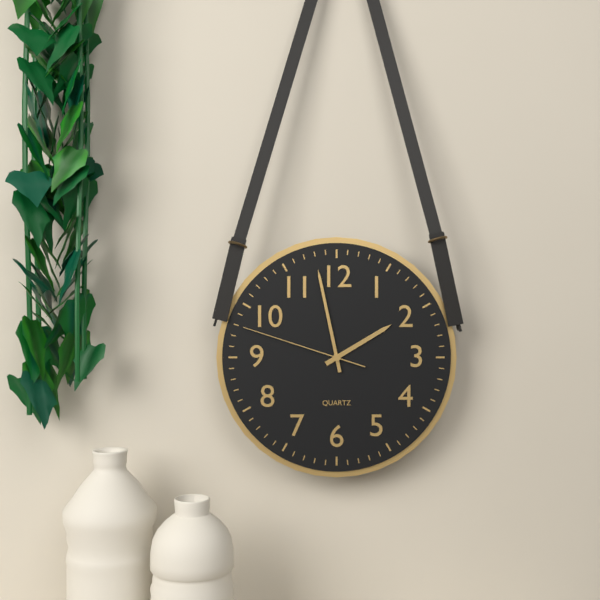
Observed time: 1:58:48
